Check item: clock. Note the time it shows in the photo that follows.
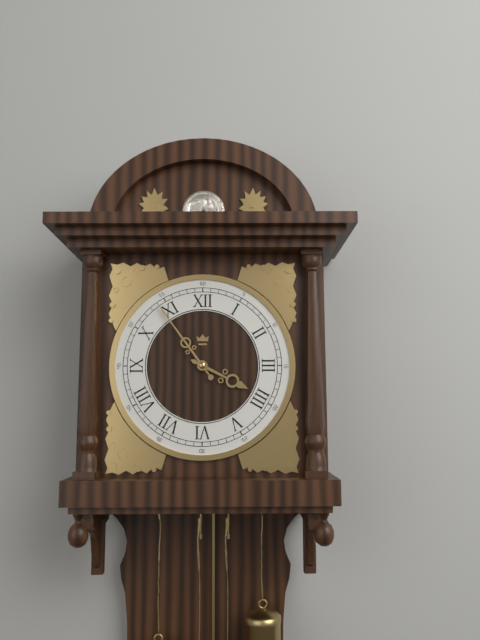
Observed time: 3:54
